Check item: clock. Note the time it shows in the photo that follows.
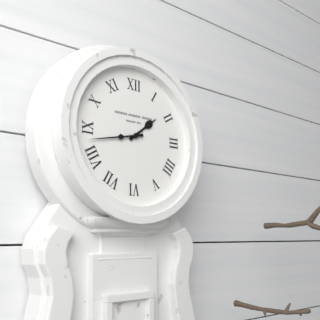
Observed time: 1:43
